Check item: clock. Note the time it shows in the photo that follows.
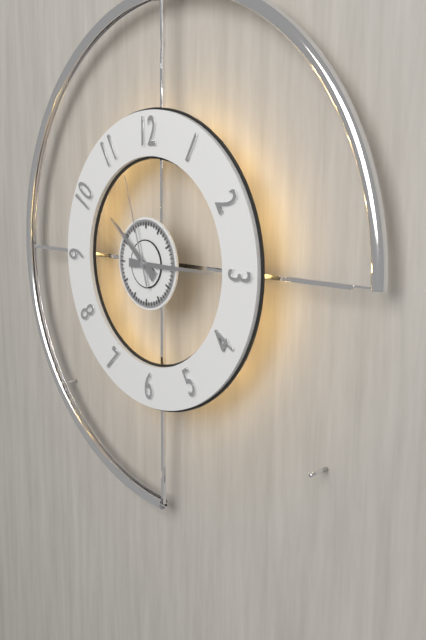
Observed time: 10:15:57
